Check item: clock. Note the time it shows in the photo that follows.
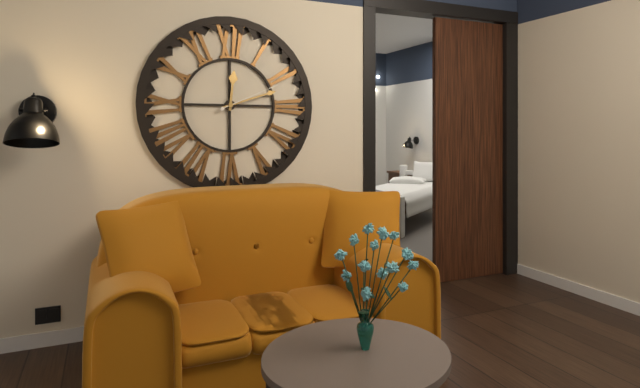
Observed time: 12:12:11
